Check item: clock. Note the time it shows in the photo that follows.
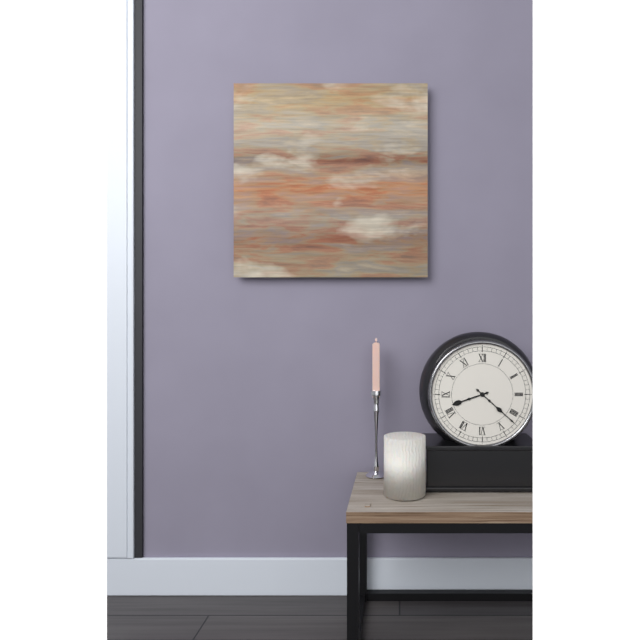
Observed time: 8:22
